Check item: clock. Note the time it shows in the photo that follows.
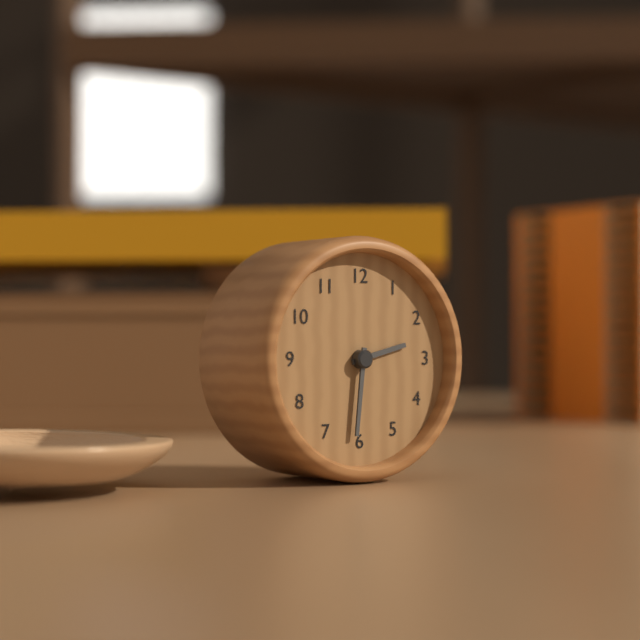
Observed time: 2:31
